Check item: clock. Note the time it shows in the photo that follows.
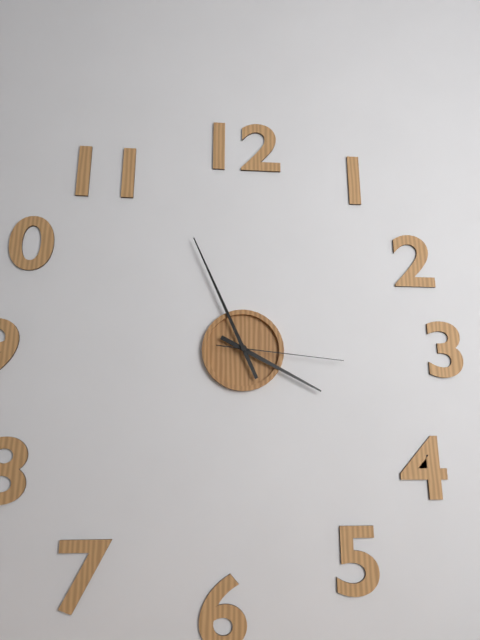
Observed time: 3:56:16
